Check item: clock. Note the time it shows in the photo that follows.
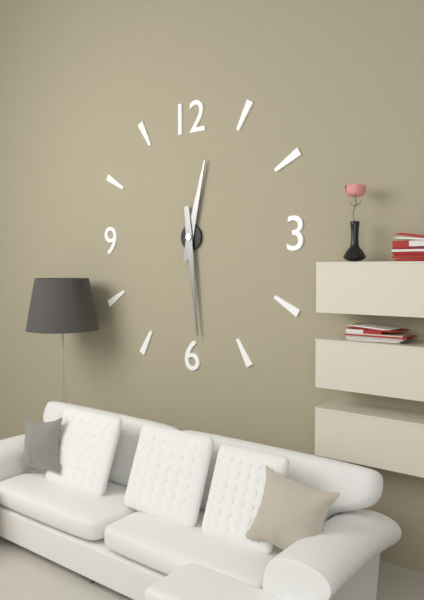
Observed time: 12:29
